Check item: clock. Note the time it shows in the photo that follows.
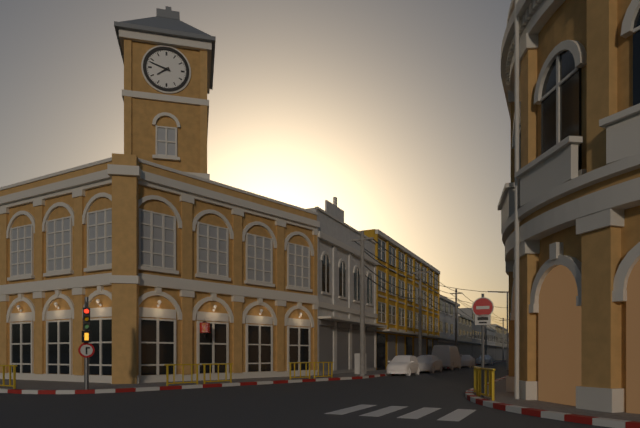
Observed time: 7:48
